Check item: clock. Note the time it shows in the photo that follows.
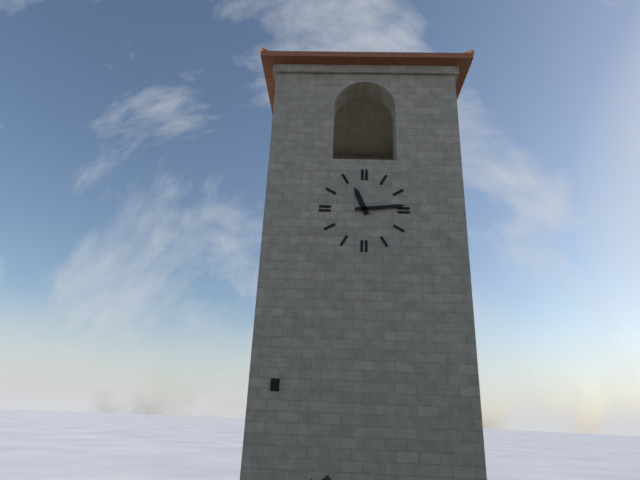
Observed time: 11:14
